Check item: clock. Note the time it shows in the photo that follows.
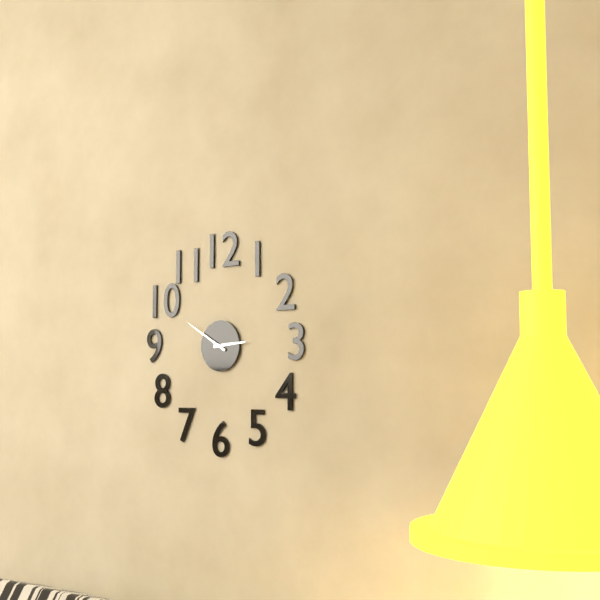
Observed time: 2:50
